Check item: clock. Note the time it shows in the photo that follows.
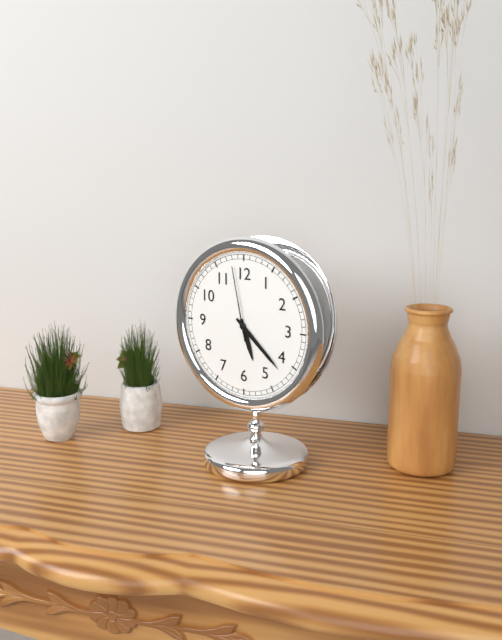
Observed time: 5:22:58
